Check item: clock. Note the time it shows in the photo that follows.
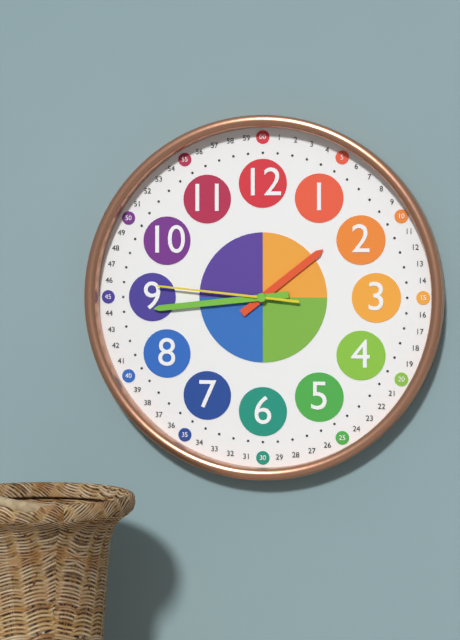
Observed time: 1:44:46
